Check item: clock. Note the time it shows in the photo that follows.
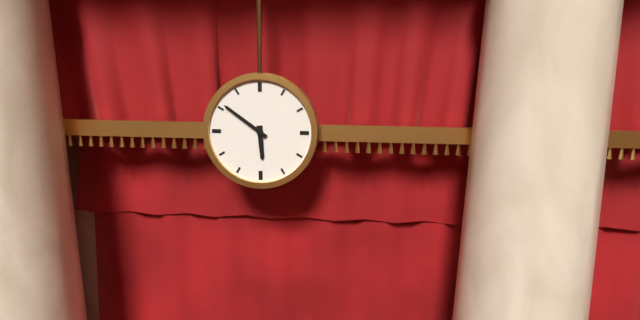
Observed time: 5:51
